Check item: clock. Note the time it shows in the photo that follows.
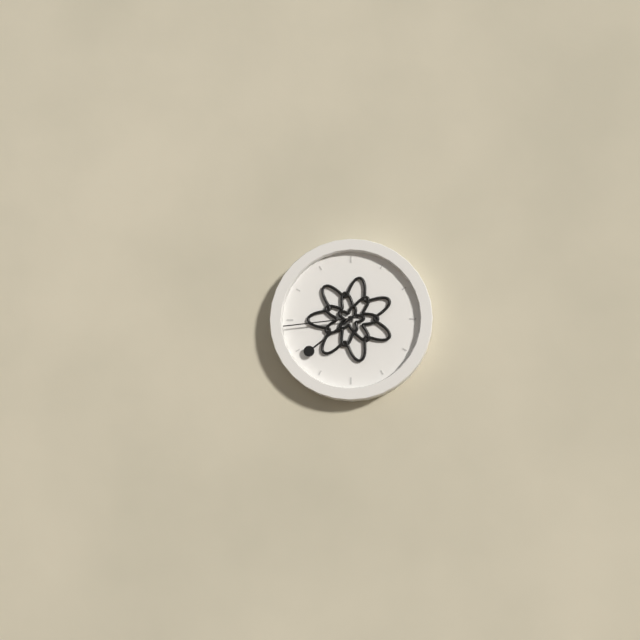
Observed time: 7:44
